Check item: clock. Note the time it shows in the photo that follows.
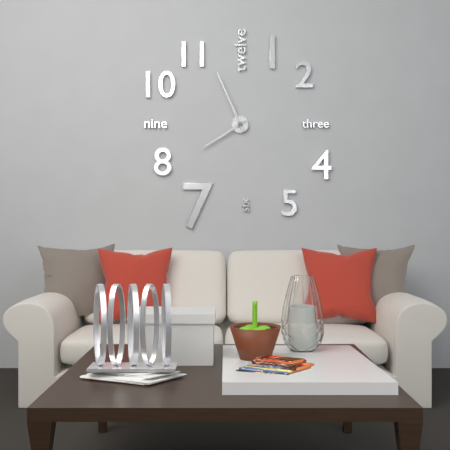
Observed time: 7:56
